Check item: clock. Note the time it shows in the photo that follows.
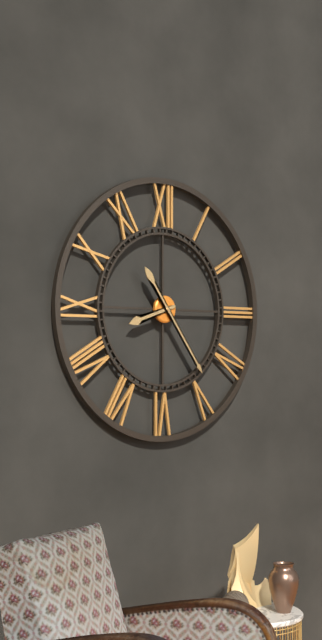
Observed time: 8:24
